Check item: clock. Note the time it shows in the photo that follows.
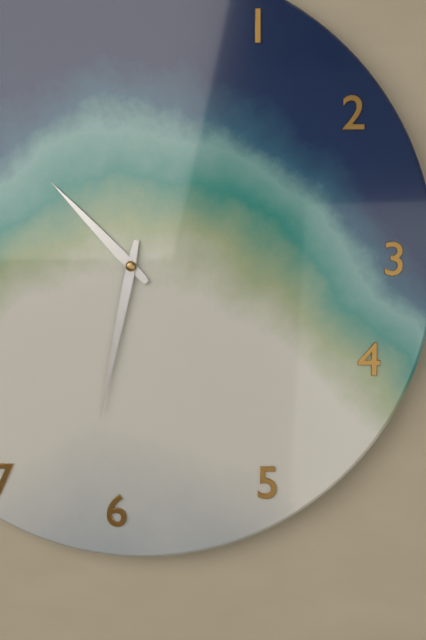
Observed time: 10:32
